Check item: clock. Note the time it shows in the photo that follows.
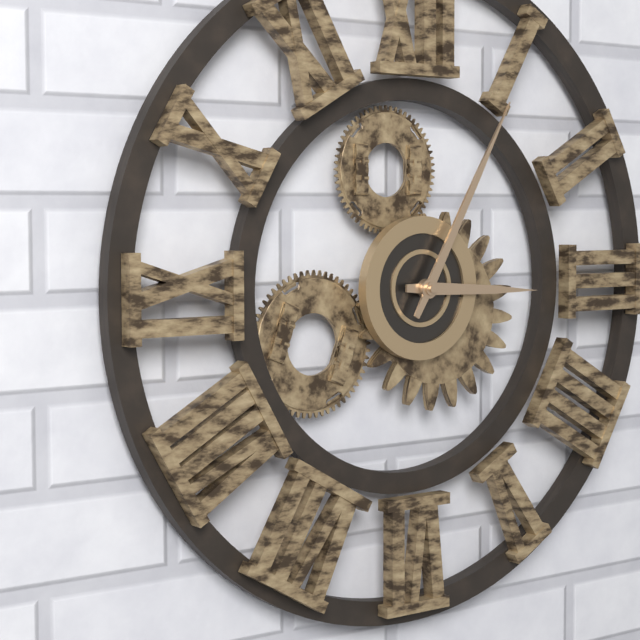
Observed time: 3:05
